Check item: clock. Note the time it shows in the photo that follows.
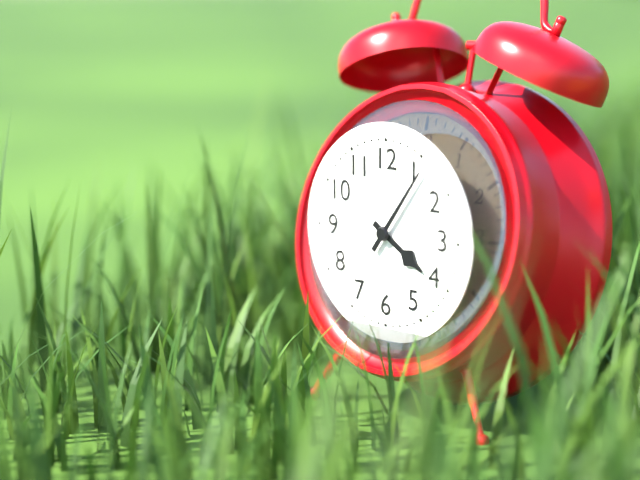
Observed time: 4:06
